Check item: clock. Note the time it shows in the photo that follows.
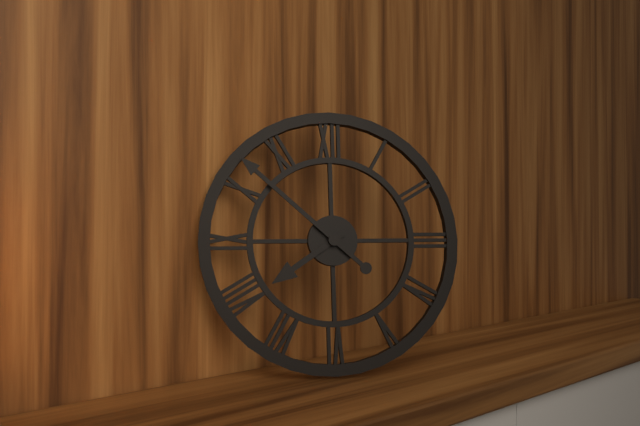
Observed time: 7:52
